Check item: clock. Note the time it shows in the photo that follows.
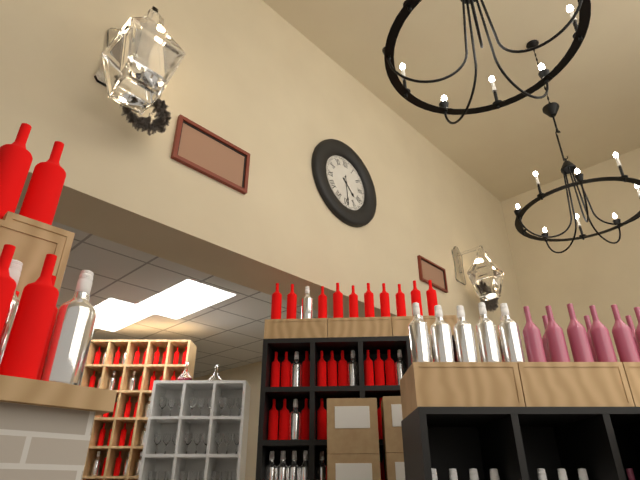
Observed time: 4:29
